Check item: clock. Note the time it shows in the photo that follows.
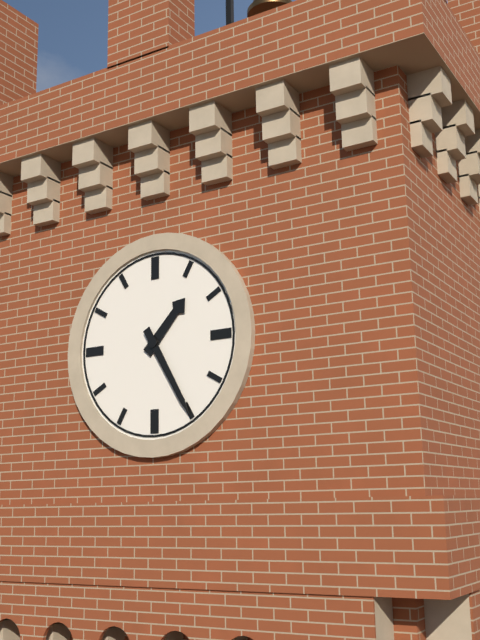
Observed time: 1:25
